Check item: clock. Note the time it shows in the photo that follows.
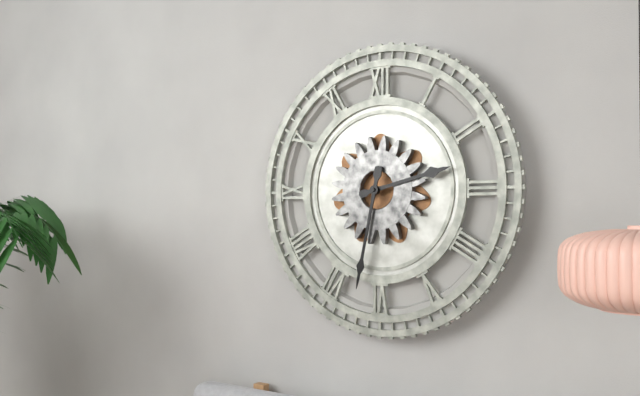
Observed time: 2:32
